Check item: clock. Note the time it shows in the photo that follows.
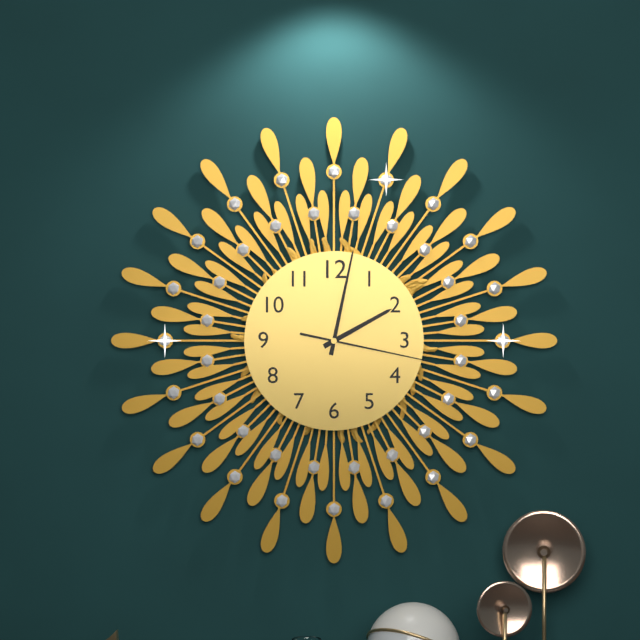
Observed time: 2:02:17
